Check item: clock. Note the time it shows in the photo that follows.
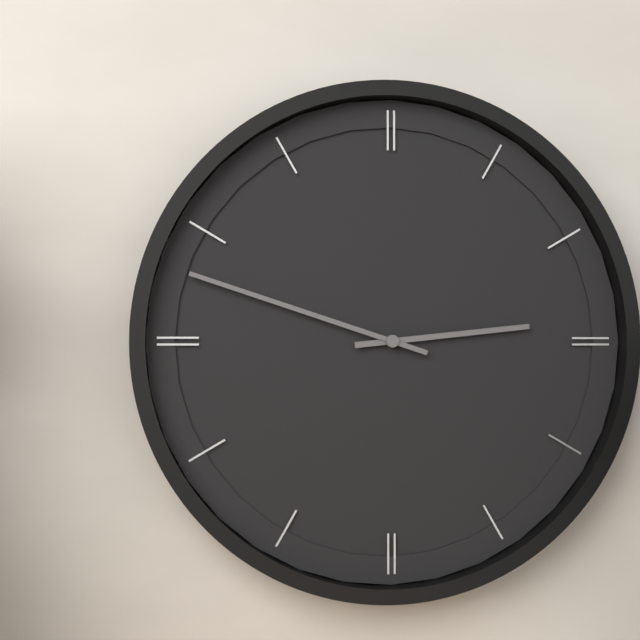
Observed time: 2:48
